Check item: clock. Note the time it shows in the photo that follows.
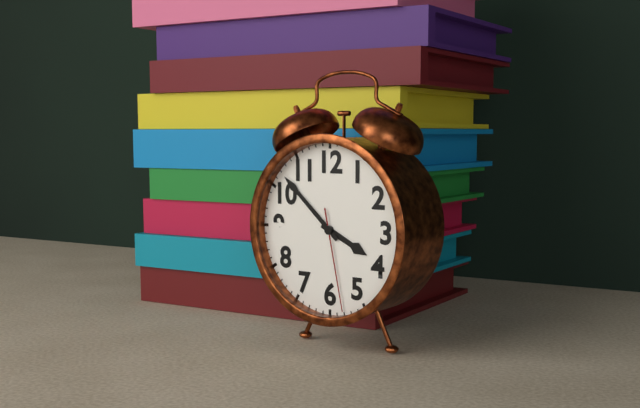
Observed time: 3:52:28
